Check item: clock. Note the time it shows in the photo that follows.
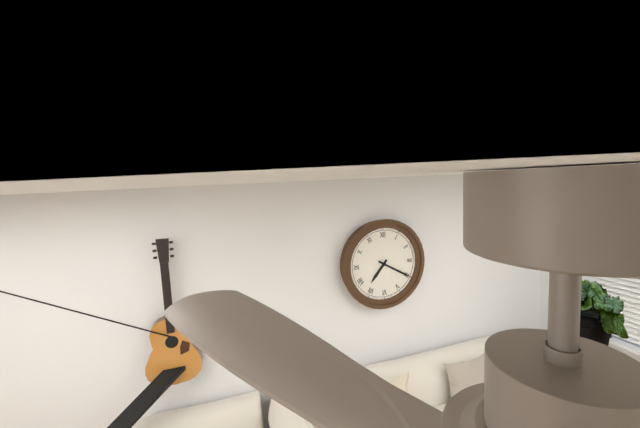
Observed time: 7:20
